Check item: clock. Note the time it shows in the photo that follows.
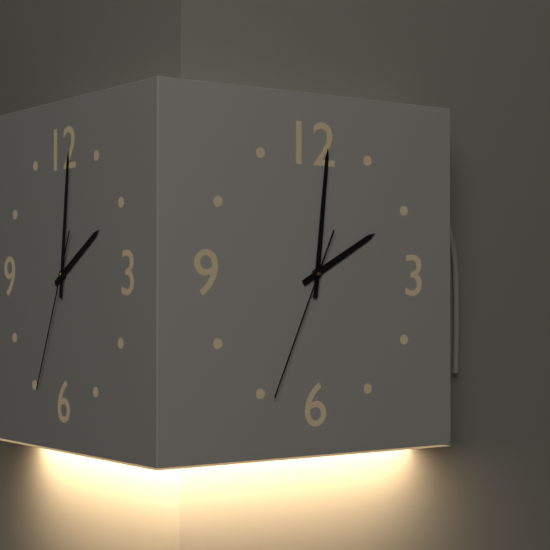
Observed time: 2:01:34
